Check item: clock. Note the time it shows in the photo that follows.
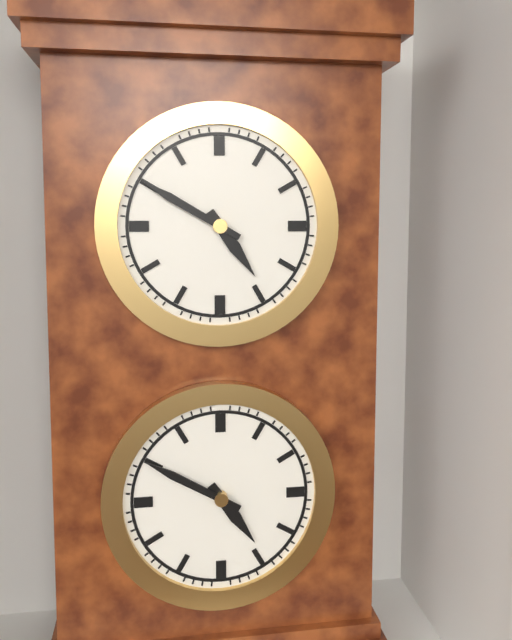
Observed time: 4:50
